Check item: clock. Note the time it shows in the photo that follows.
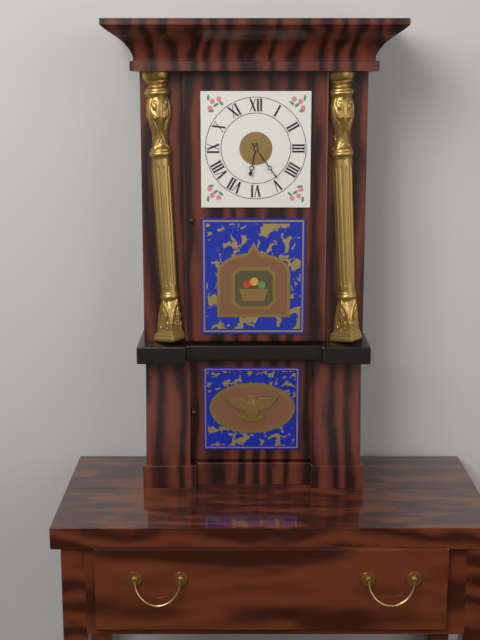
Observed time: 6:24
